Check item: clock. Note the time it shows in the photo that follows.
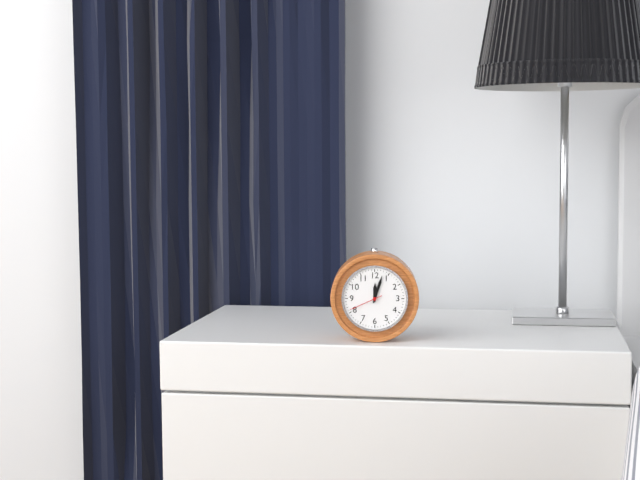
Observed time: 12:03
